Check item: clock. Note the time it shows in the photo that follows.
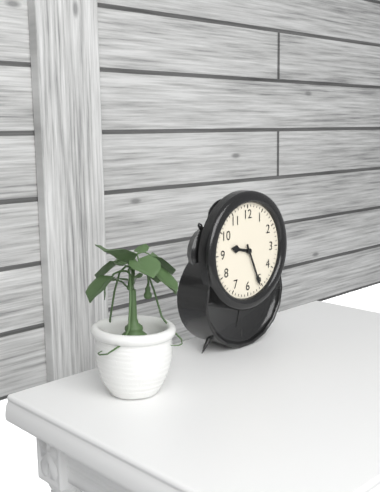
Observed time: 9:26
